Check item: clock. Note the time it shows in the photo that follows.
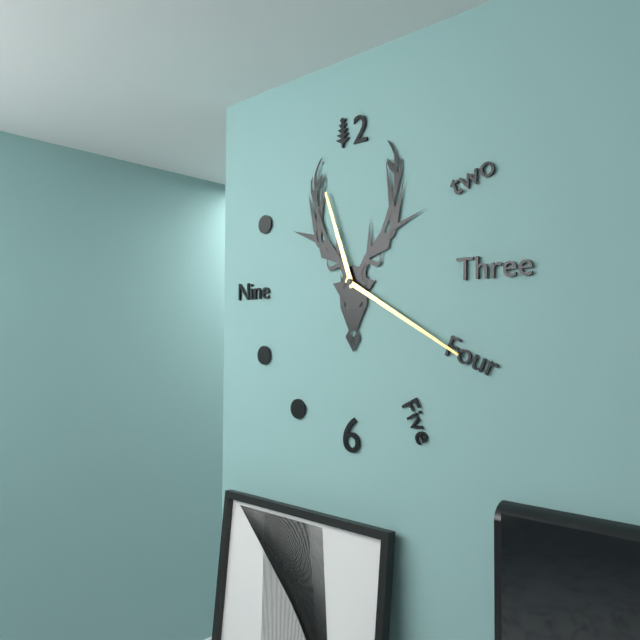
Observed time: 11:20
